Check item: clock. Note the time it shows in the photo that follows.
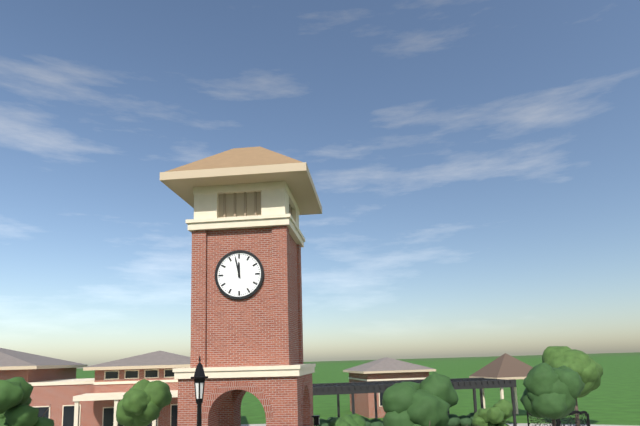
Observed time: 11:58
